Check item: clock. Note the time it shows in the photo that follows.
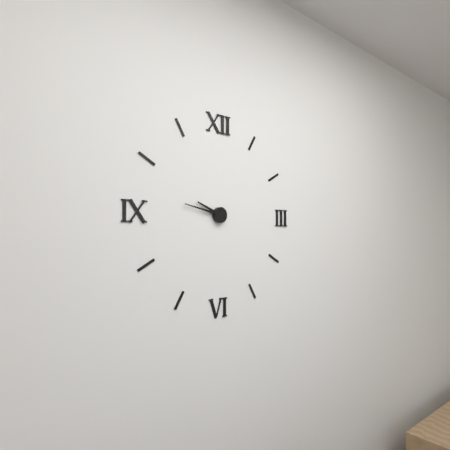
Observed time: 9:47
